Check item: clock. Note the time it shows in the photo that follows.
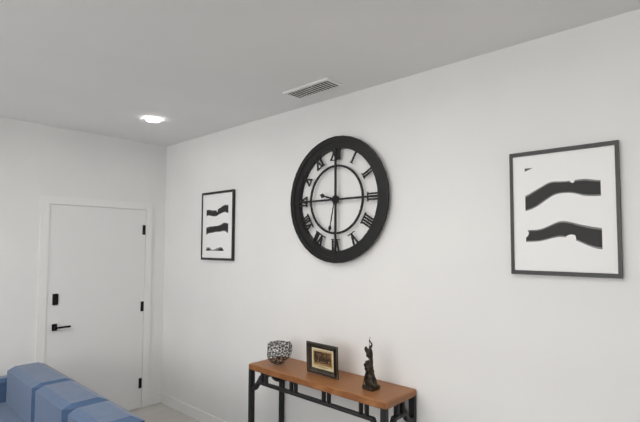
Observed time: 9:32
